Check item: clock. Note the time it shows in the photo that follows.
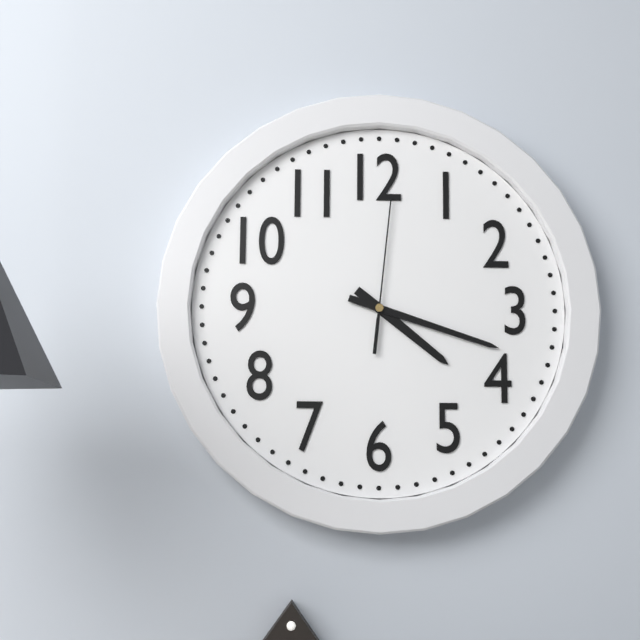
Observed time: 4:18:01
